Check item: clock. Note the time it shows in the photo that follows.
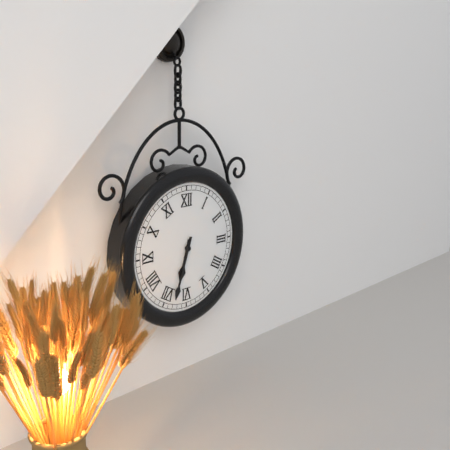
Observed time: 6:33
